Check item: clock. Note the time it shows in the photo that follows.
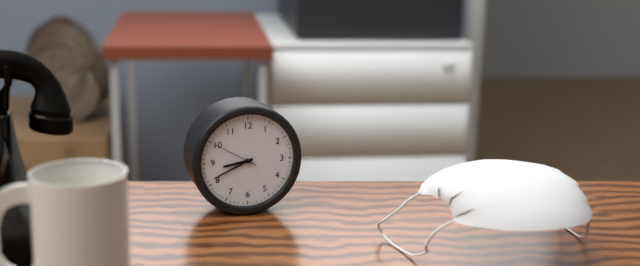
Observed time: 8:41
